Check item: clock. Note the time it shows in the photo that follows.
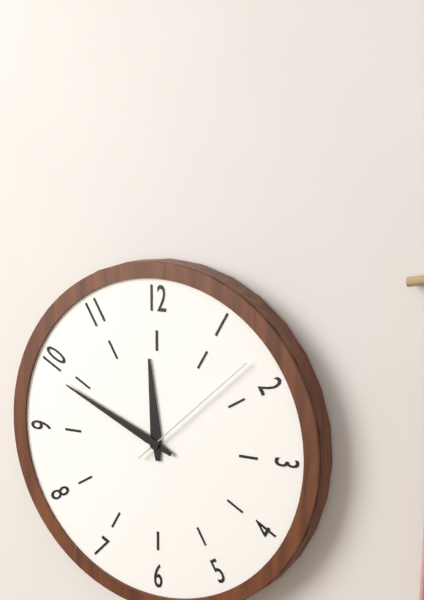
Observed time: 11:49:08
